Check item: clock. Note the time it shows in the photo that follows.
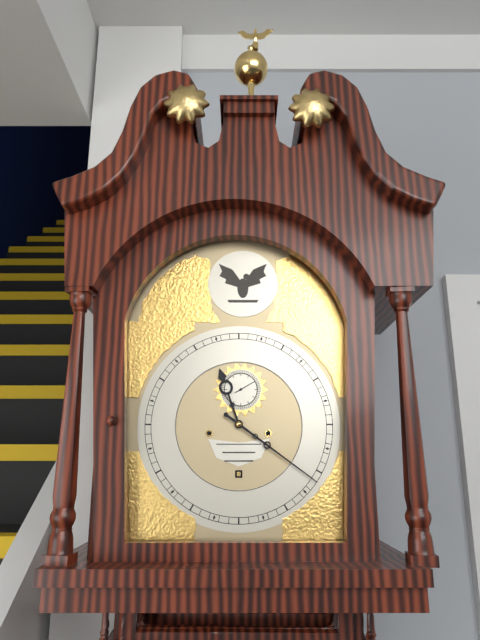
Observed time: 11:21
